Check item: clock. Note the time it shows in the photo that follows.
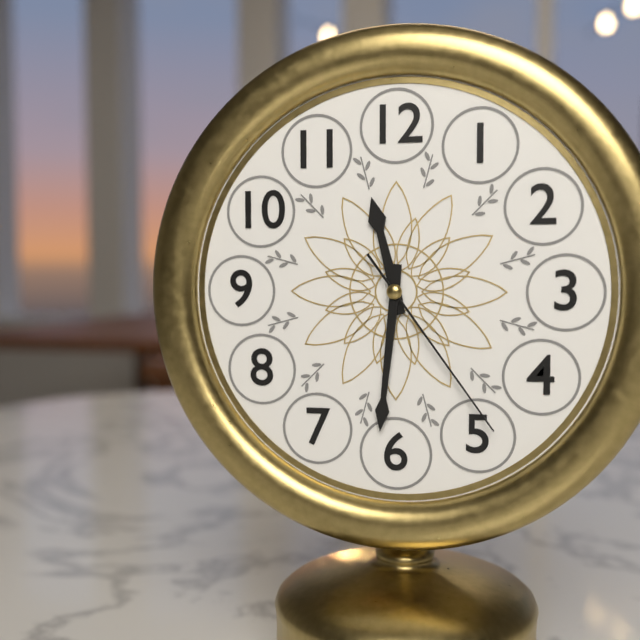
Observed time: 11:31:24
